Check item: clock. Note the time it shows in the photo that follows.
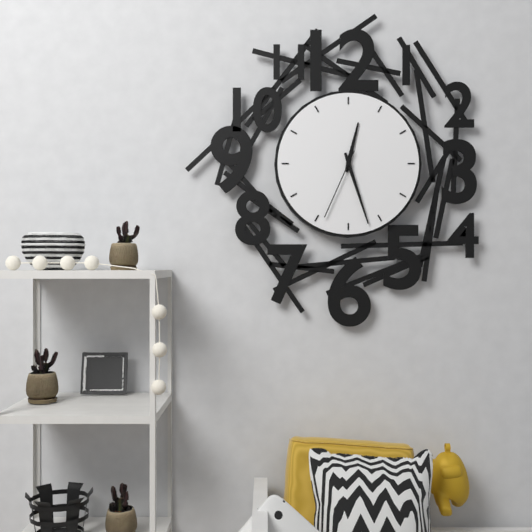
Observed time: 12:27:34
